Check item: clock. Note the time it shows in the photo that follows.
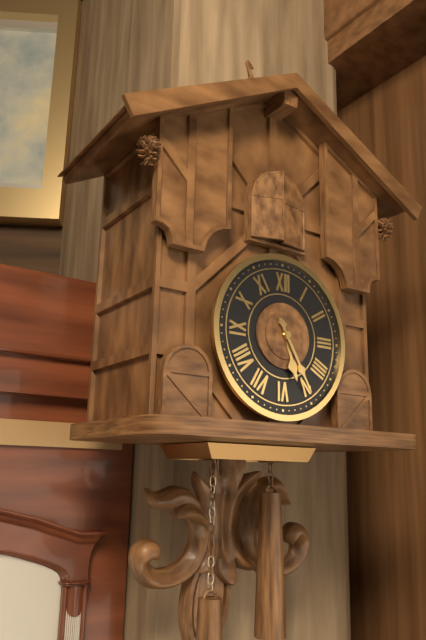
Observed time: 5:25
